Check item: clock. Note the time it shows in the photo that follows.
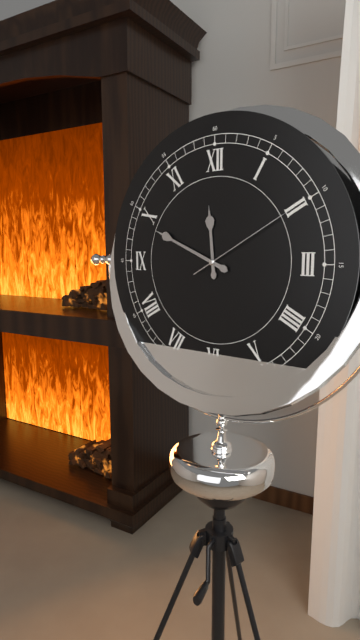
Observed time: 11:49:10
